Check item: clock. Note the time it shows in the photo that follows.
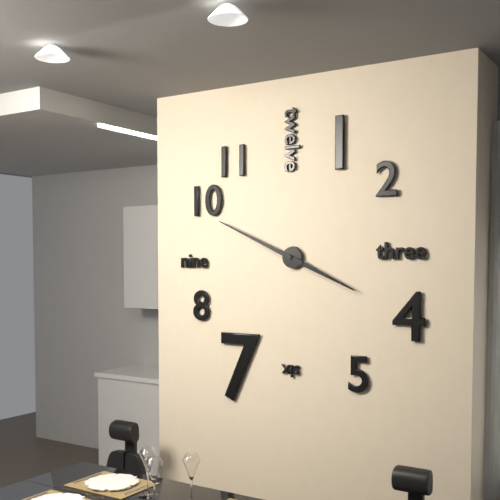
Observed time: 3:49
